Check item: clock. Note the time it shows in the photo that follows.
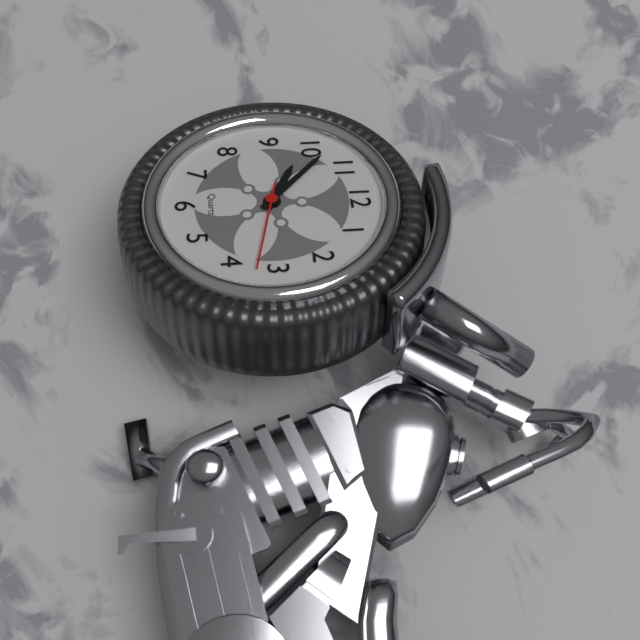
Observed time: 9:52
